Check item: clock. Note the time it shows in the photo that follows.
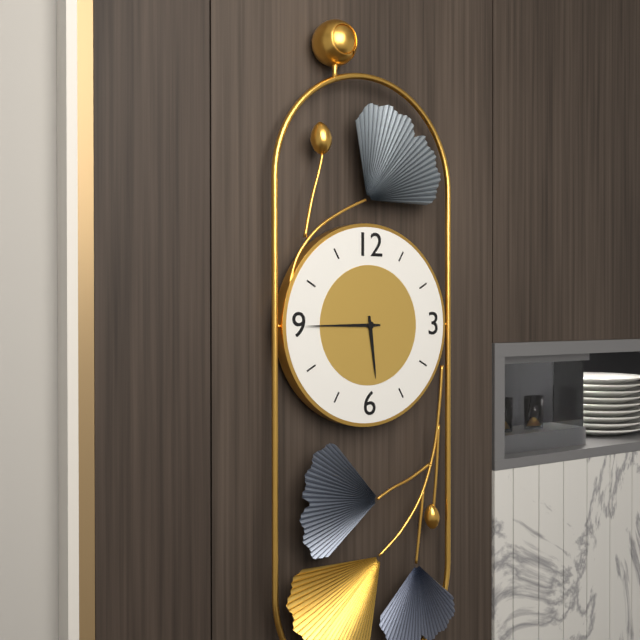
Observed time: 5:45
